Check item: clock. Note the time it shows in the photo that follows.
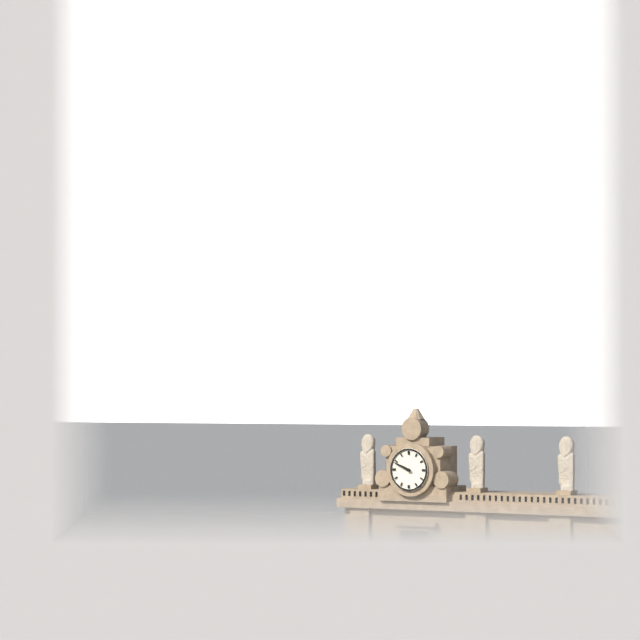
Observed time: 9:49
